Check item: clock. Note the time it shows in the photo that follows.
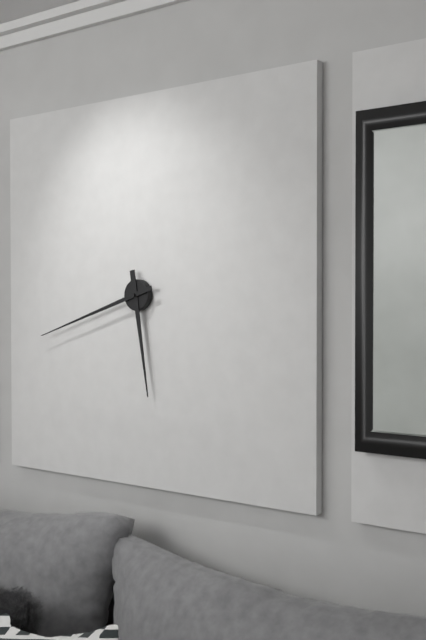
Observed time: 5:42
